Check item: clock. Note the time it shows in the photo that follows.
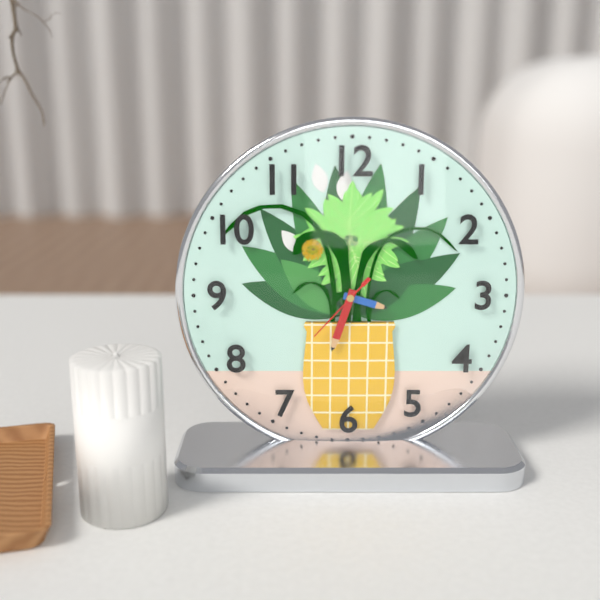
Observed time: 3:33:37
